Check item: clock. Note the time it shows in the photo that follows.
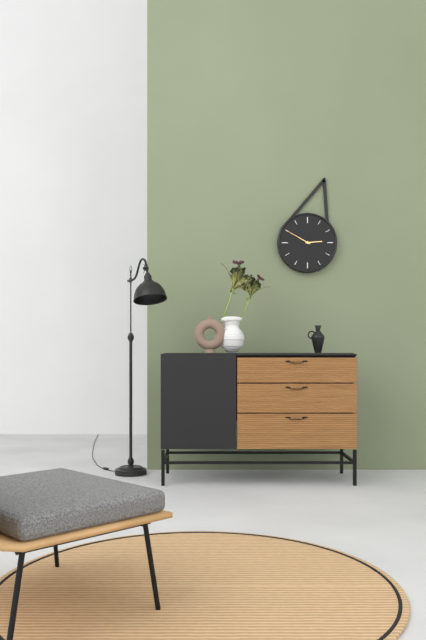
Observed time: 2:50
